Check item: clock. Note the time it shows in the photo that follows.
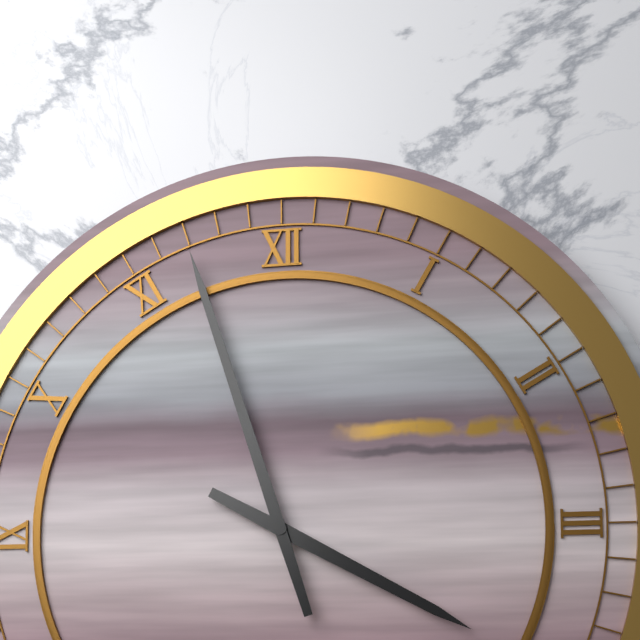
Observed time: 3:57
